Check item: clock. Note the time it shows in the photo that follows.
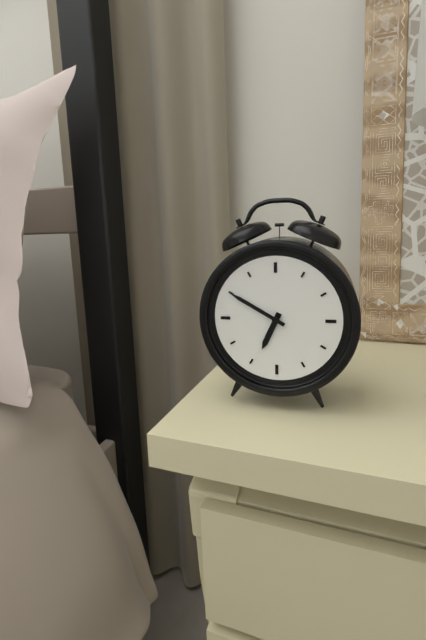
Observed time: 6:50
